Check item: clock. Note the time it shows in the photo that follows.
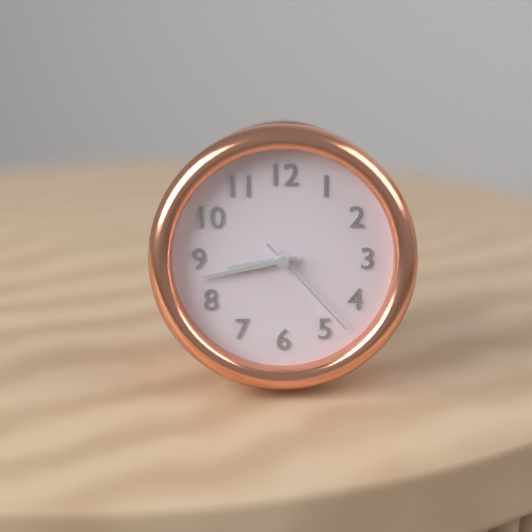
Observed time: 8:43:23
